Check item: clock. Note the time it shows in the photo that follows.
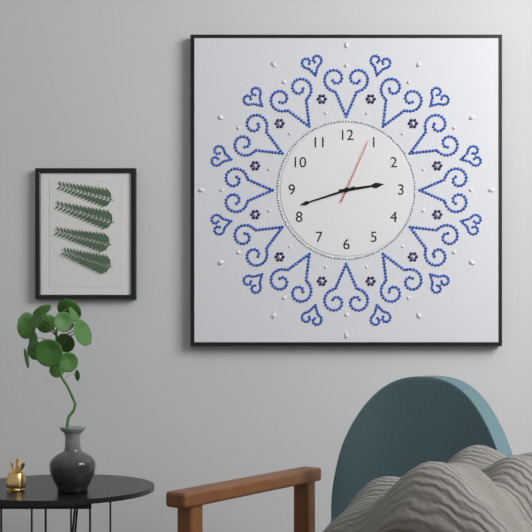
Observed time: 2:42:04
